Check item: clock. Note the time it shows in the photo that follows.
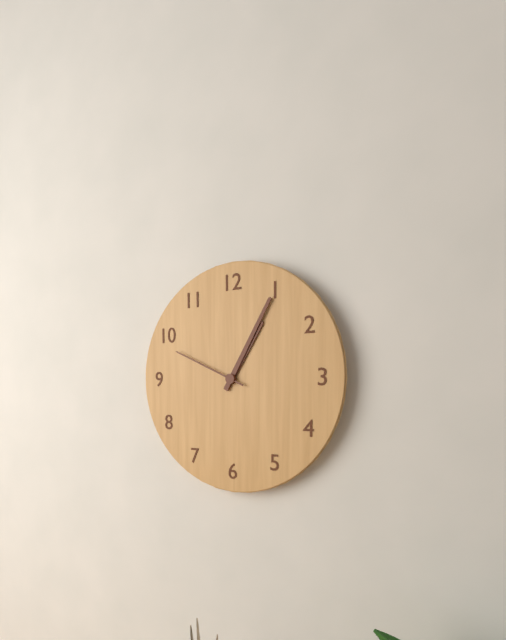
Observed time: 1:05:49
